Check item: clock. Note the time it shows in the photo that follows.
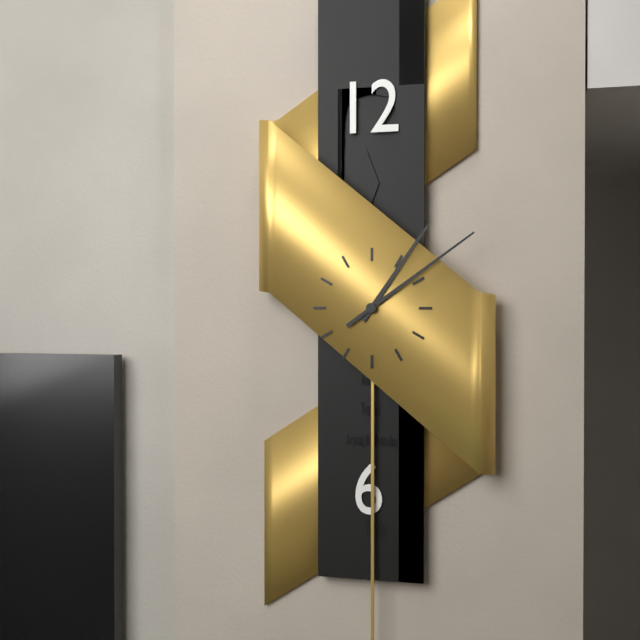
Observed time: 1:09
